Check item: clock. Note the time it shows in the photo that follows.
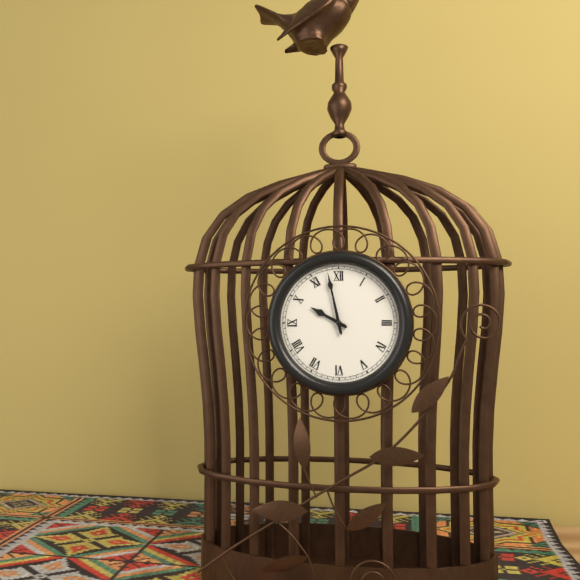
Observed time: 9:58
